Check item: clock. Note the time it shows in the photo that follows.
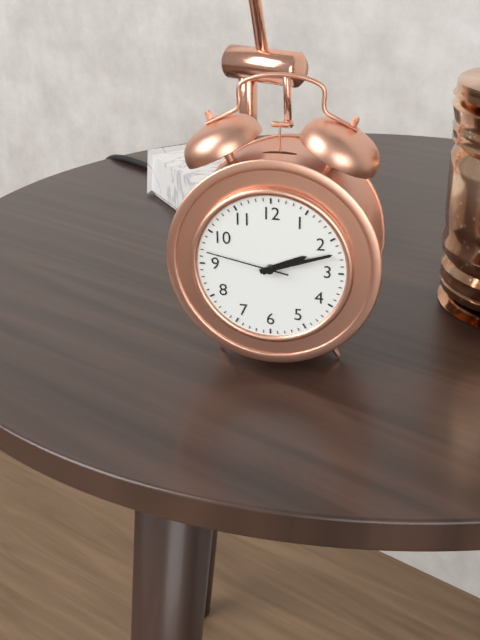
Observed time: 2:12:47
